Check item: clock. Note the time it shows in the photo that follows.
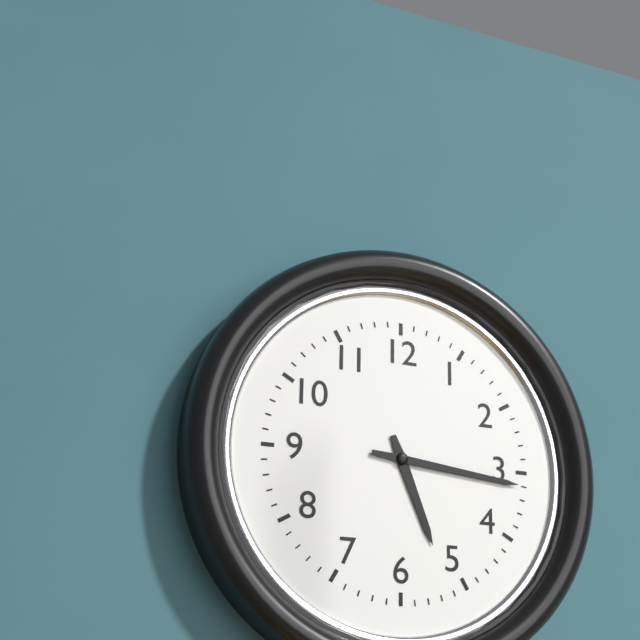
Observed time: 5:16
